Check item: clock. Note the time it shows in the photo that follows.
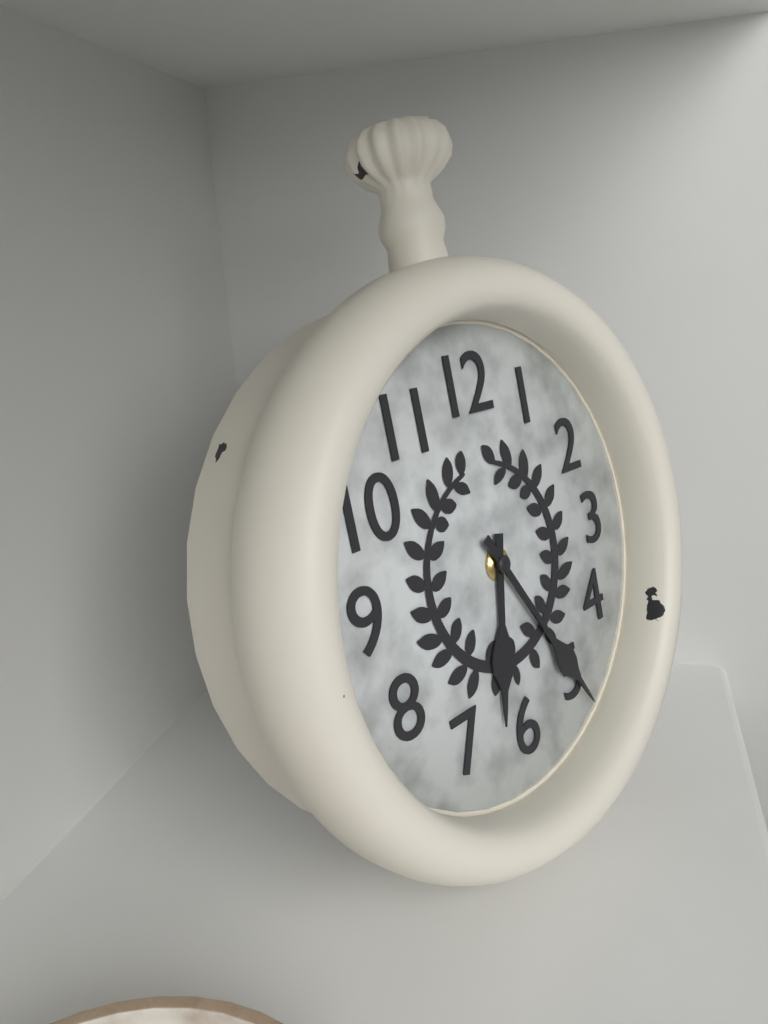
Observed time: 6:25
